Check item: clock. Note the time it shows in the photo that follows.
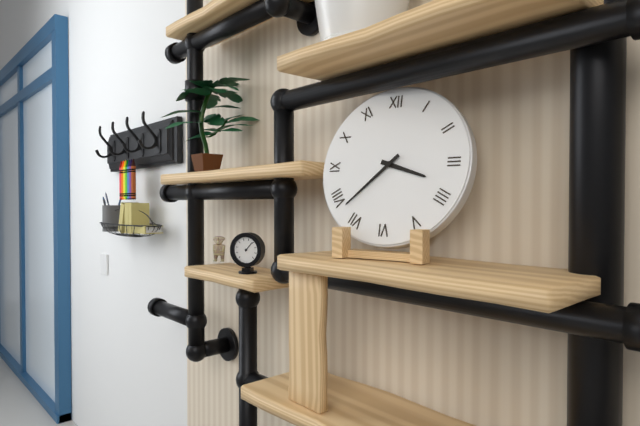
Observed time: 3:38
